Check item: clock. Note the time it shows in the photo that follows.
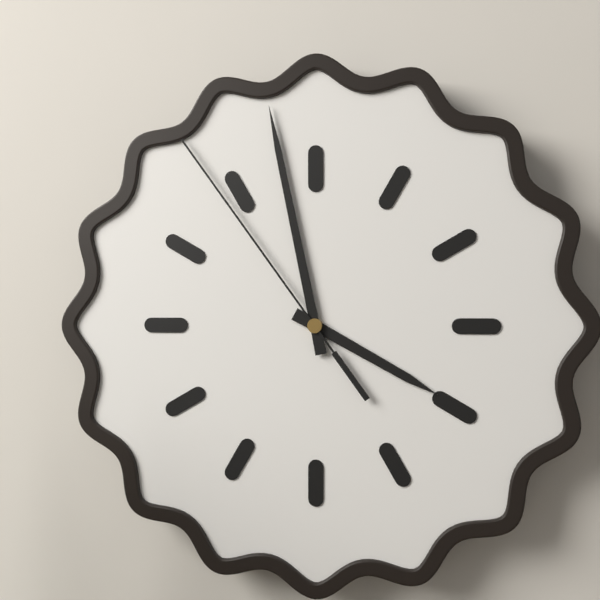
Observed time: 3:58:54
